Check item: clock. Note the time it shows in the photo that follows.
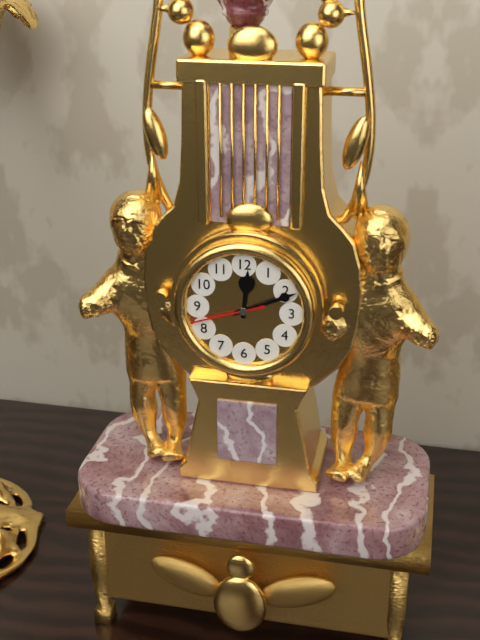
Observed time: 12:11:42
